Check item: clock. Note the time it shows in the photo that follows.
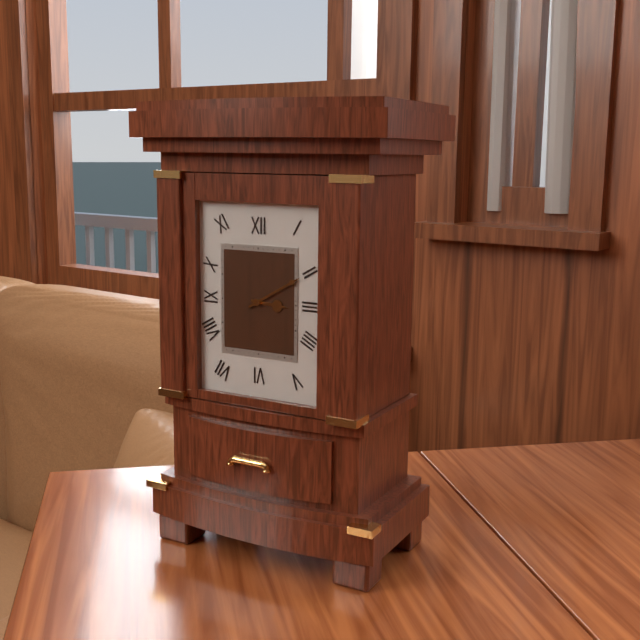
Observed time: 3:10
